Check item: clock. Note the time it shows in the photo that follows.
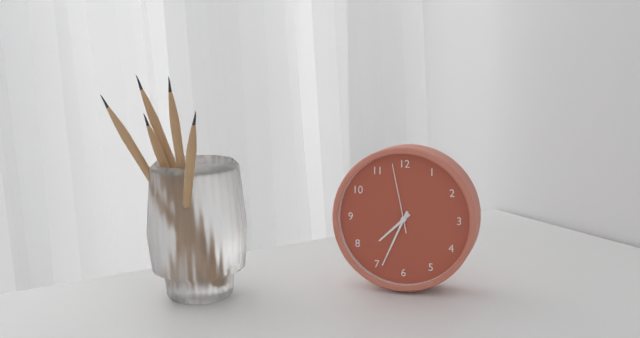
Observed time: 7:34:58
